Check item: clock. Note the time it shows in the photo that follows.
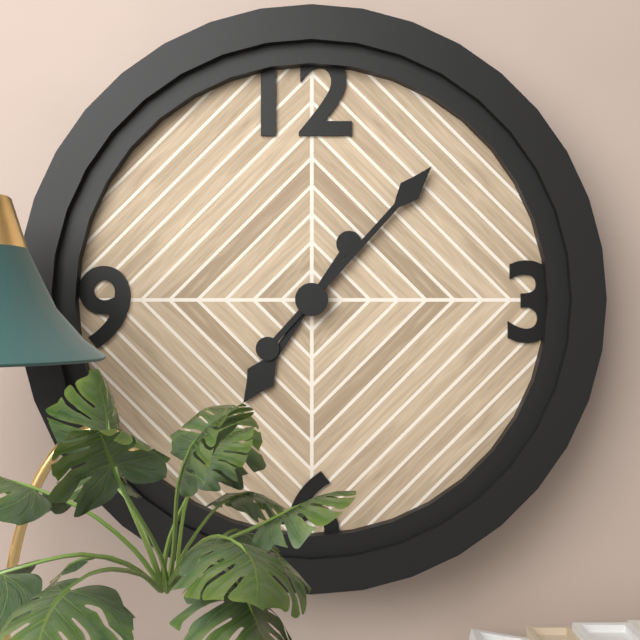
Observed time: 7:07
